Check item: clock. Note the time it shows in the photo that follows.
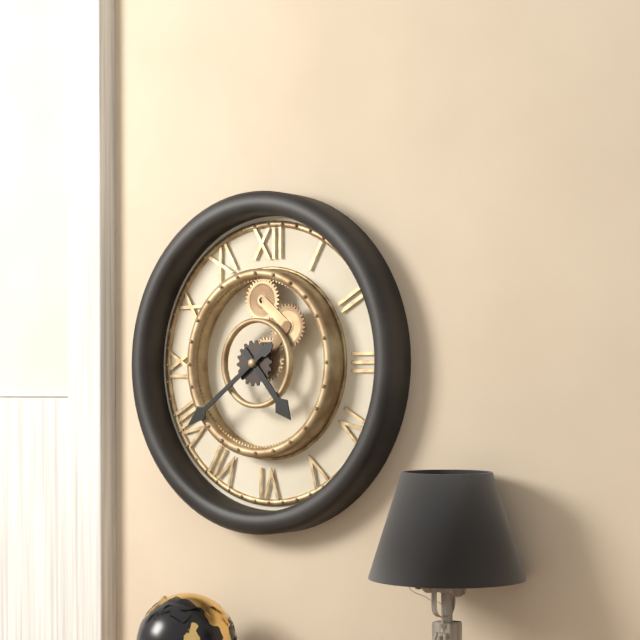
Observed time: 4:39
